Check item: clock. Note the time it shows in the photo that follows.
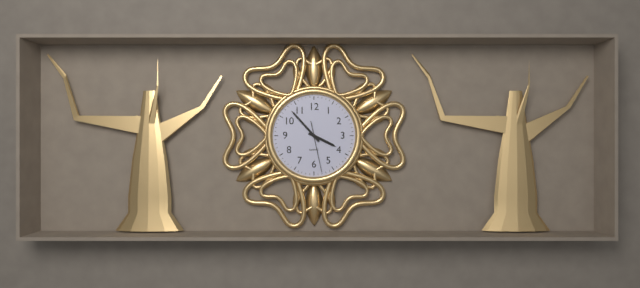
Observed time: 3:53
